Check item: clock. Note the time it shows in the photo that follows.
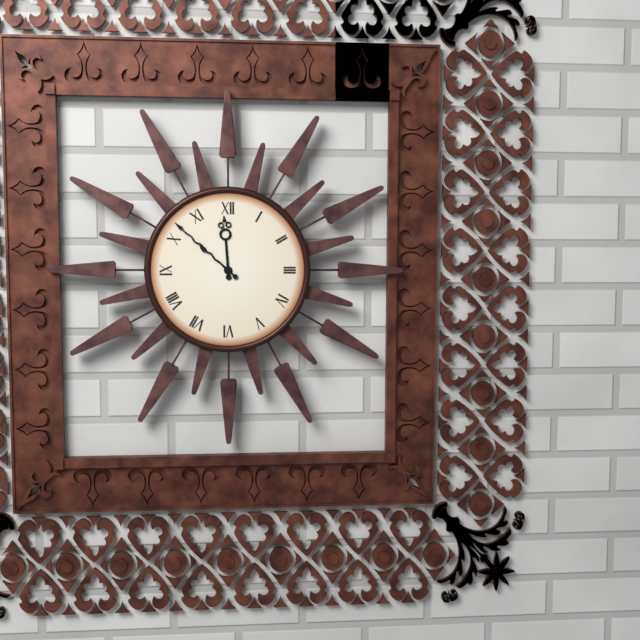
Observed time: 11:52
